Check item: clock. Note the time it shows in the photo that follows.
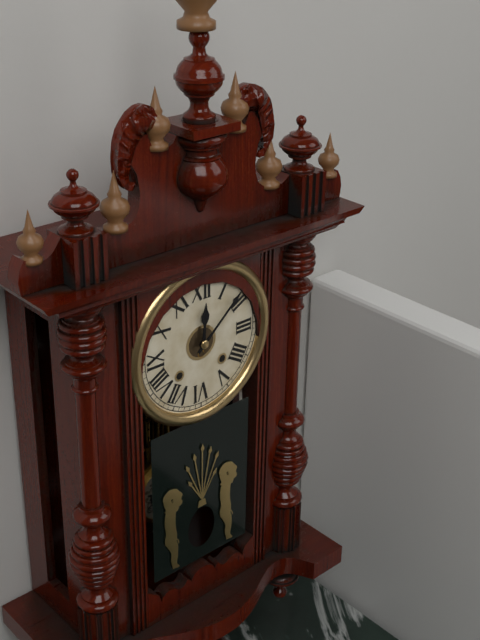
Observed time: 12:08
